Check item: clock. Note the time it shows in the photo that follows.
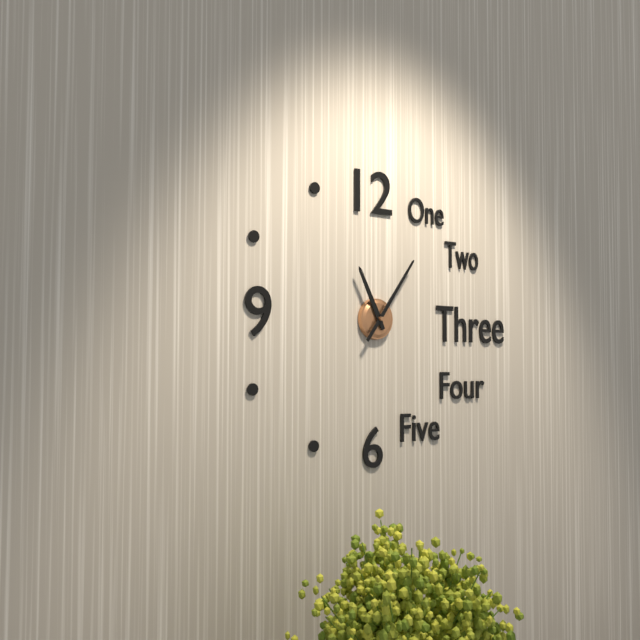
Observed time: 11:06
